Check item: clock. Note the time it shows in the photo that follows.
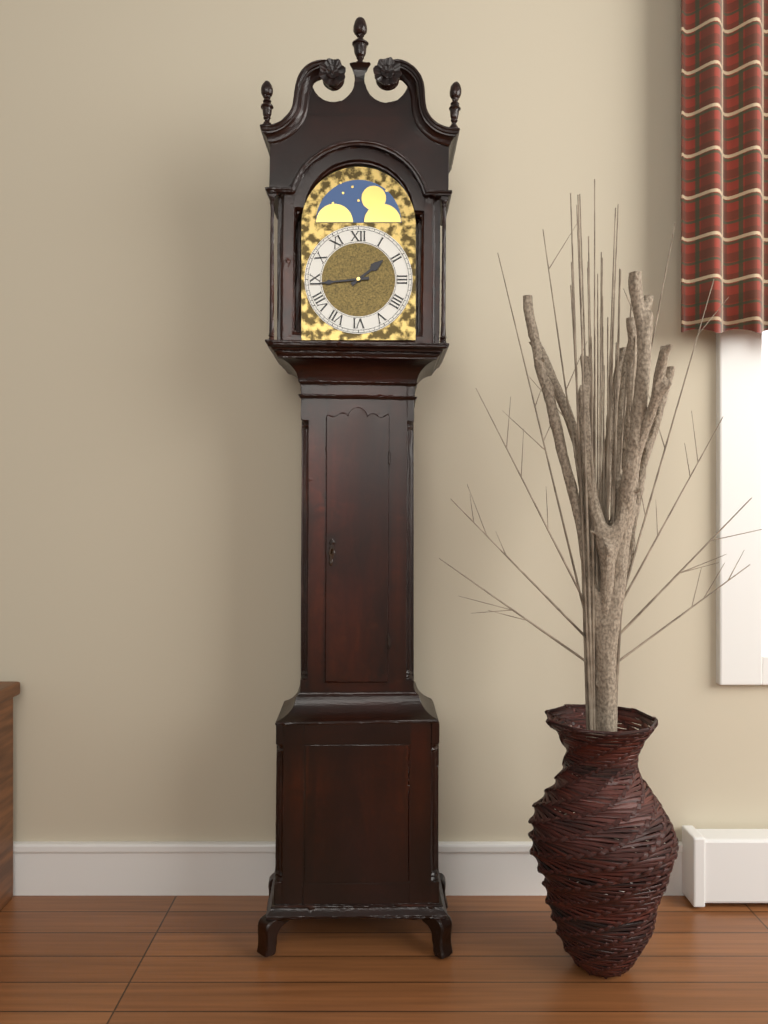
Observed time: 1:44
